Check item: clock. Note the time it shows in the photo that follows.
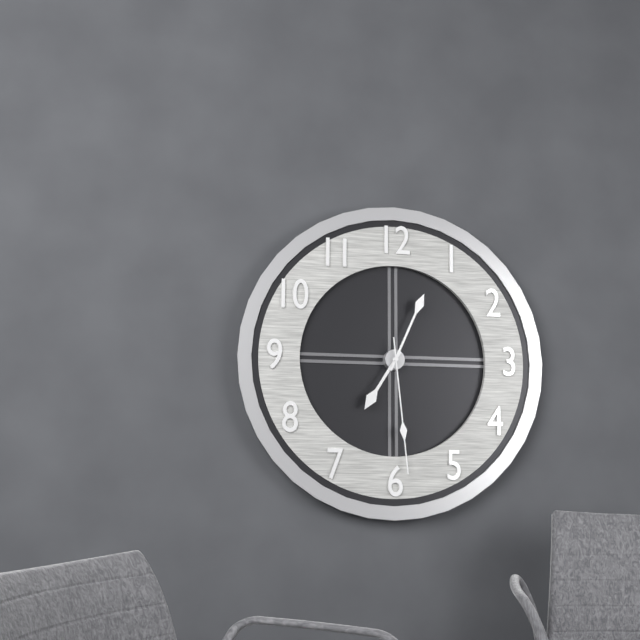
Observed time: 7:04:29
